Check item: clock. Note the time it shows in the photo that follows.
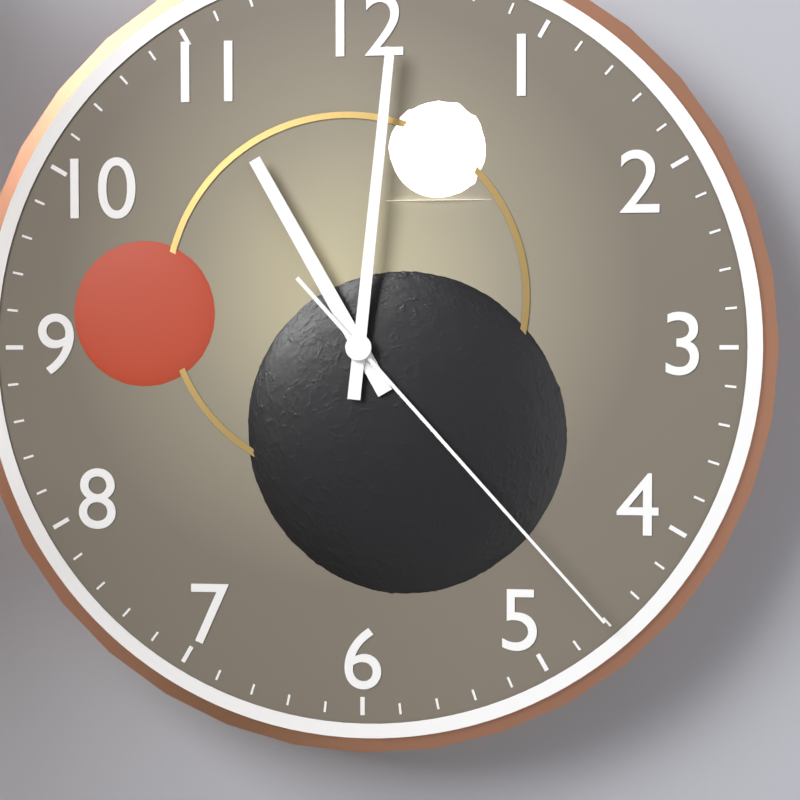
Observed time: 11:01:23
